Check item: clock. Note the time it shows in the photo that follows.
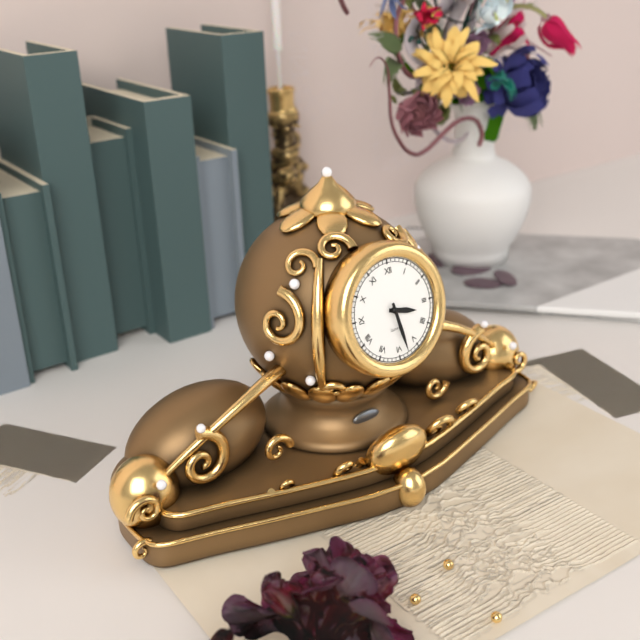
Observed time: 3:28
